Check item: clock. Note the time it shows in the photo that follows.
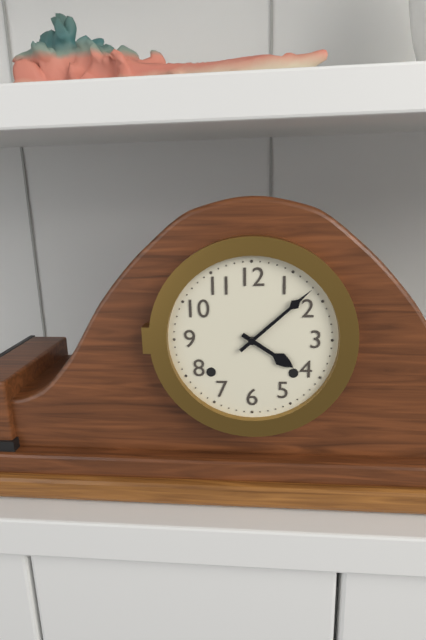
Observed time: 4:08
